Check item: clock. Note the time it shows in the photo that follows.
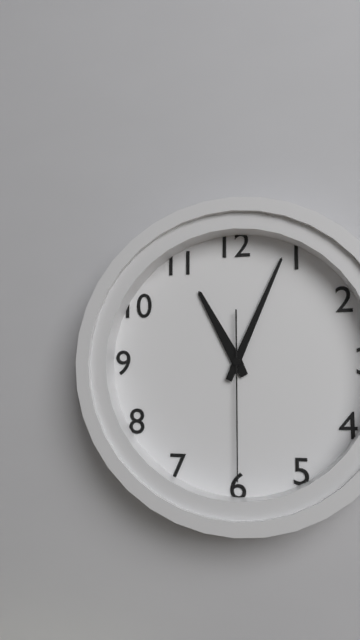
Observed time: 11:04:30
